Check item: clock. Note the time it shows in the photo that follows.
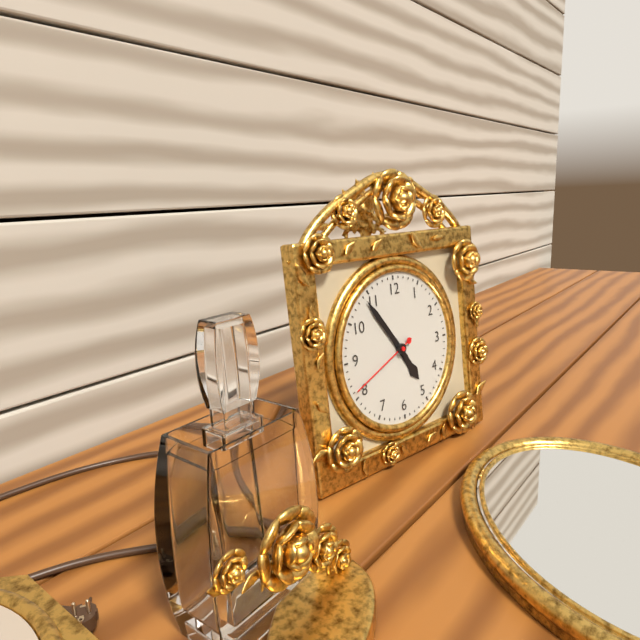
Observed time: 4:54:41
